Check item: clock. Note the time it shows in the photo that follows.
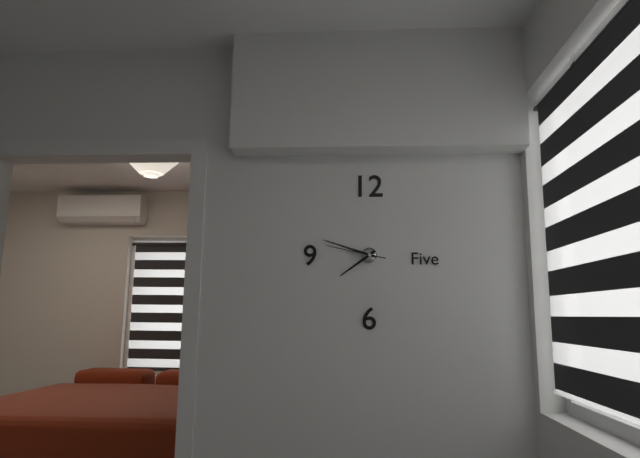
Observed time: 7:48:47
